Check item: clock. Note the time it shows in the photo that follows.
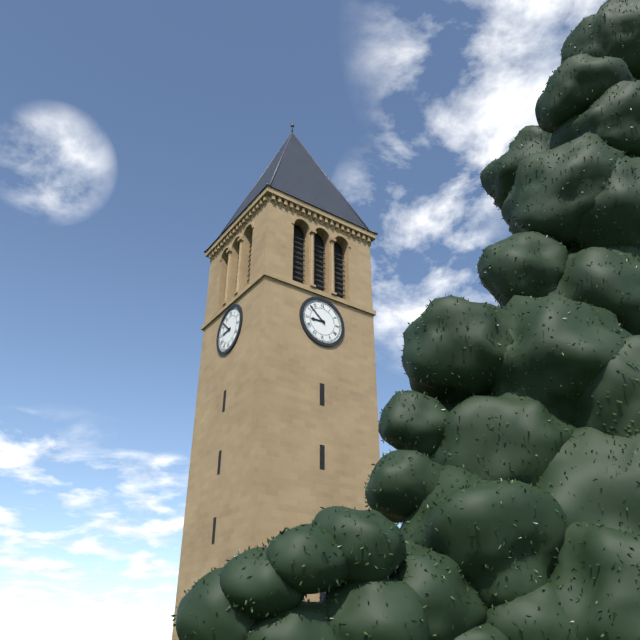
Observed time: 8:52
